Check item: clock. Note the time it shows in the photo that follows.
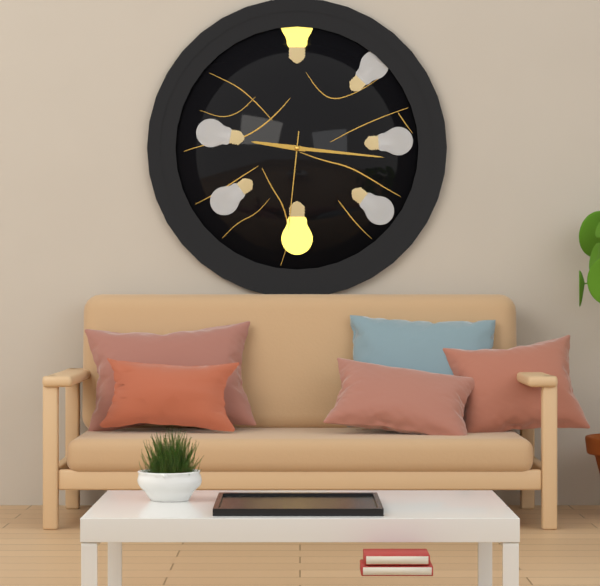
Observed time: 9:16:31
